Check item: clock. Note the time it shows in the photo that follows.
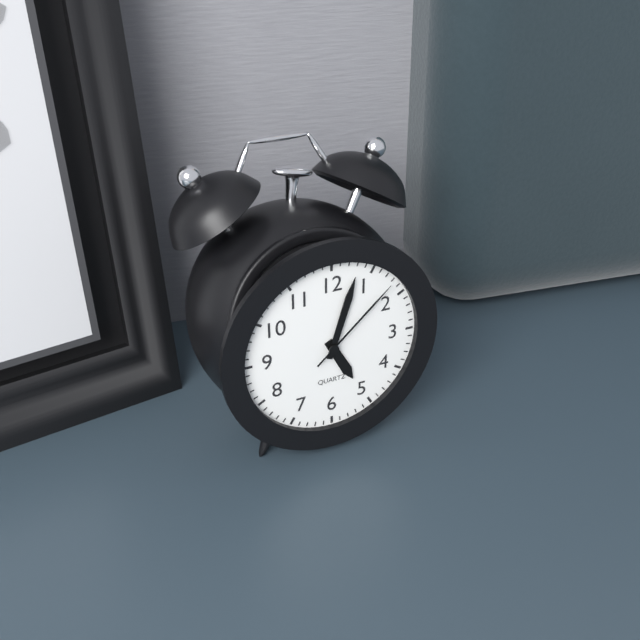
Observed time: 5:03:08
